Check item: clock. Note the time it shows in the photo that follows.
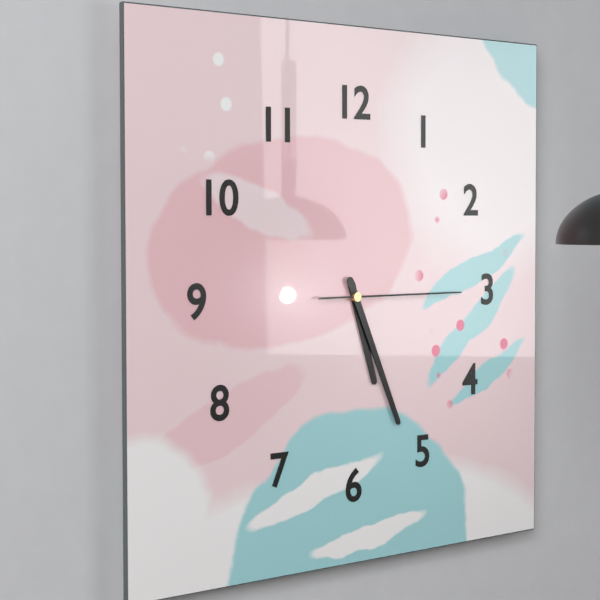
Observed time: 5:26:15
